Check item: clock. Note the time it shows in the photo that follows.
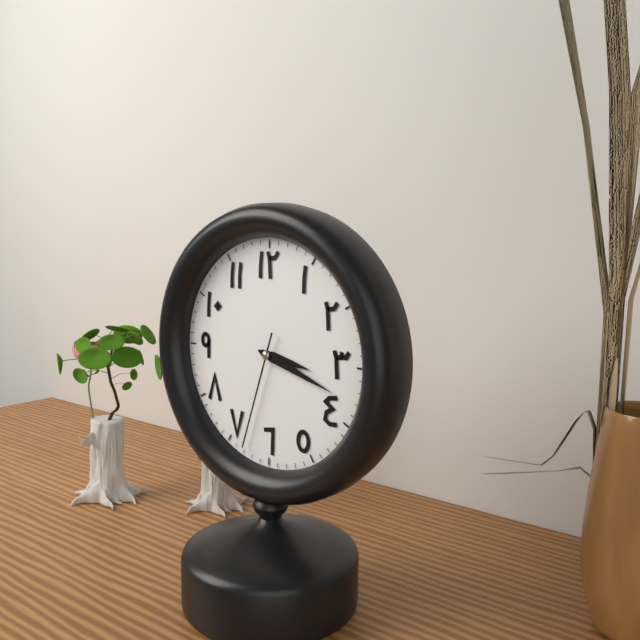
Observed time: 3:18:33
